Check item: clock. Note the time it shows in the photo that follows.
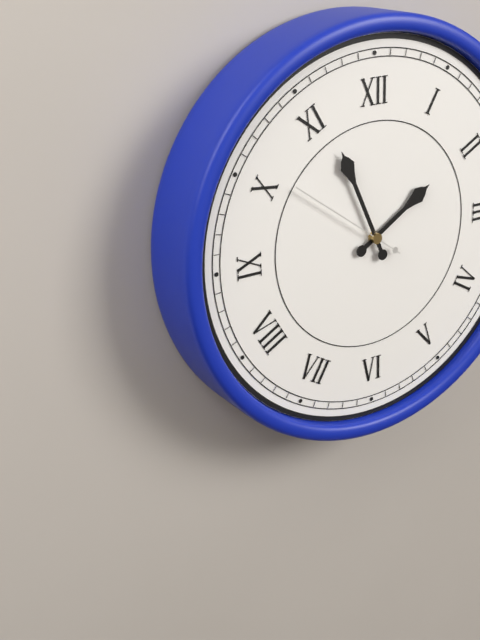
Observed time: 1:56:51
